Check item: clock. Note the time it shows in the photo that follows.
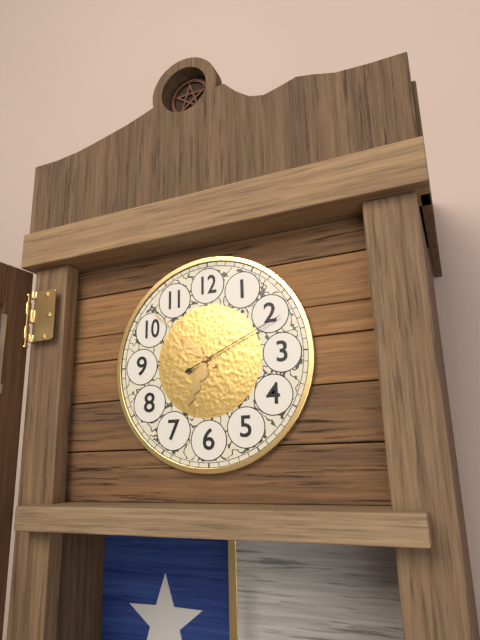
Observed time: 6:52:11
